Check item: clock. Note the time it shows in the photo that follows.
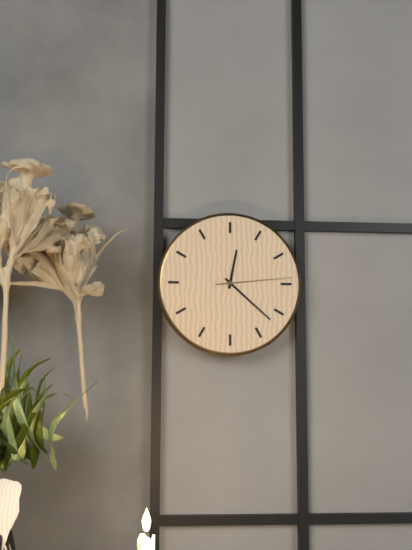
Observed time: 12:22:14
